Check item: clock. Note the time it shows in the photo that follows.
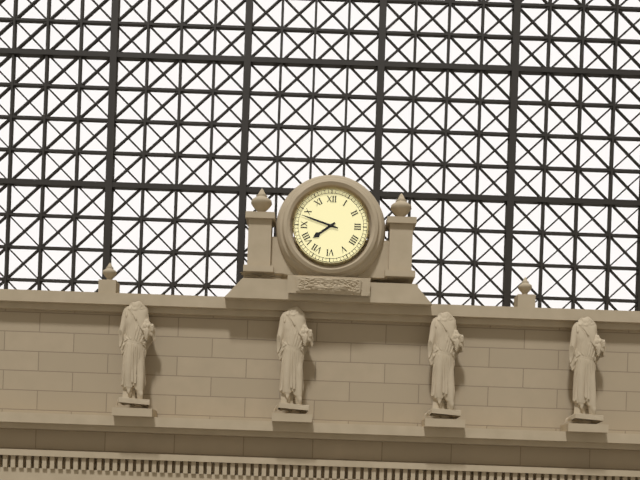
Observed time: 7:48
